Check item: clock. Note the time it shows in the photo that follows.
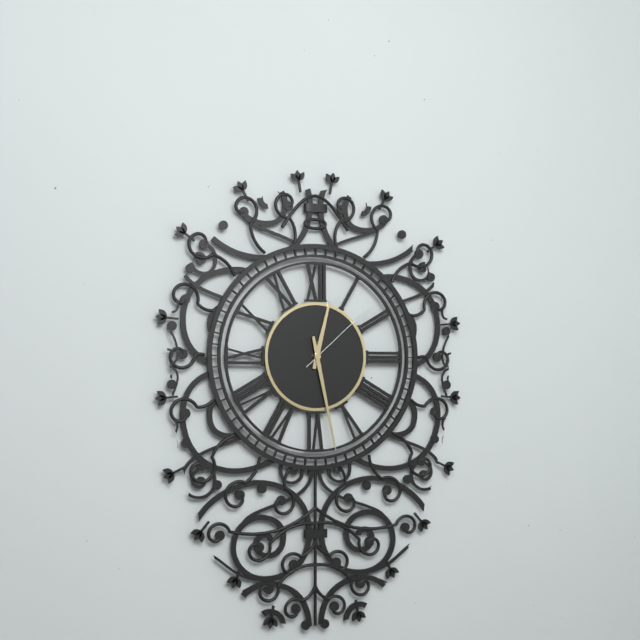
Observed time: 12:28:08
